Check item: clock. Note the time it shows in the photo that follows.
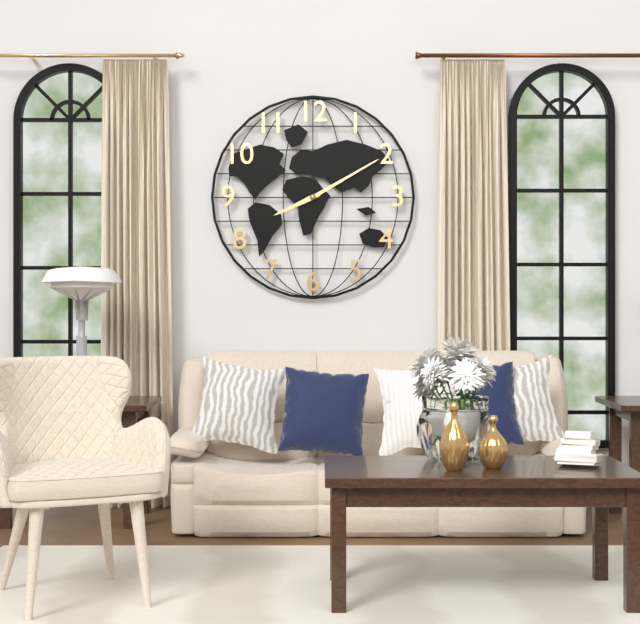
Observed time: 8:10
